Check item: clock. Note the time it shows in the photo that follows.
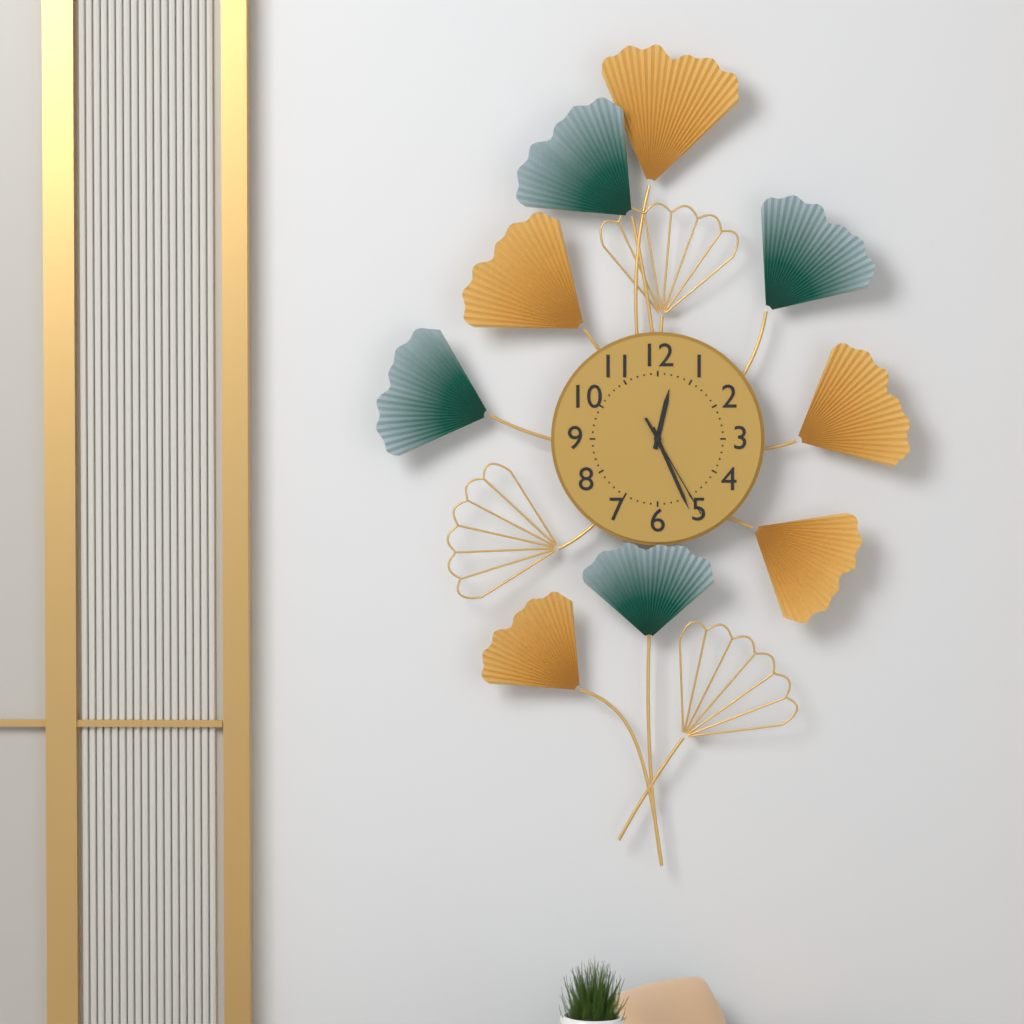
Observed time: 12:26:25
